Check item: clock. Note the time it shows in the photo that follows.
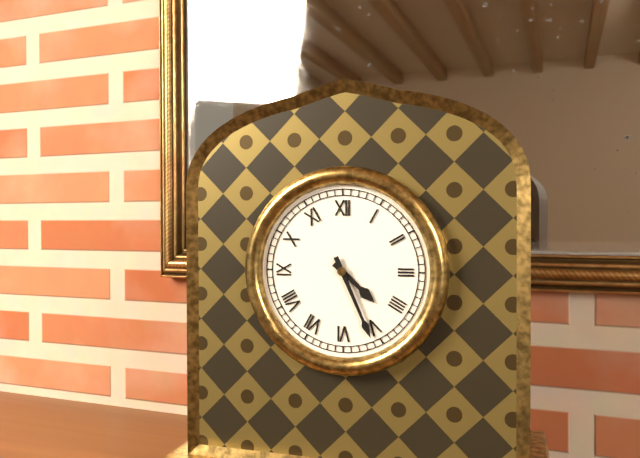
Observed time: 4:26
